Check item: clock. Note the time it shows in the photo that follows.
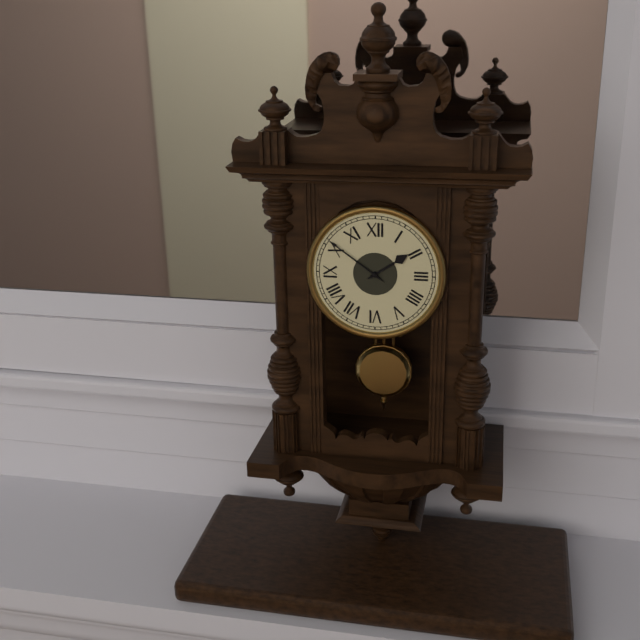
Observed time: 1:51
